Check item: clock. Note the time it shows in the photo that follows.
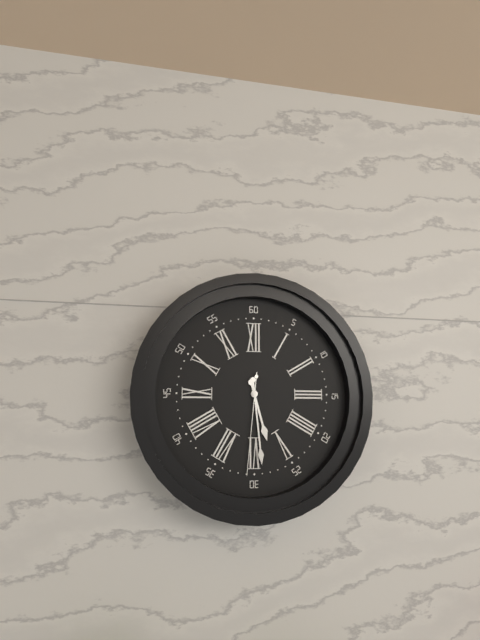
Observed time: 5:29:31
